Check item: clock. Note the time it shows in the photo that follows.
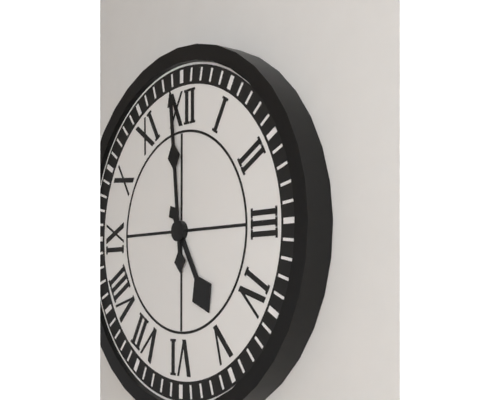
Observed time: 4:59
